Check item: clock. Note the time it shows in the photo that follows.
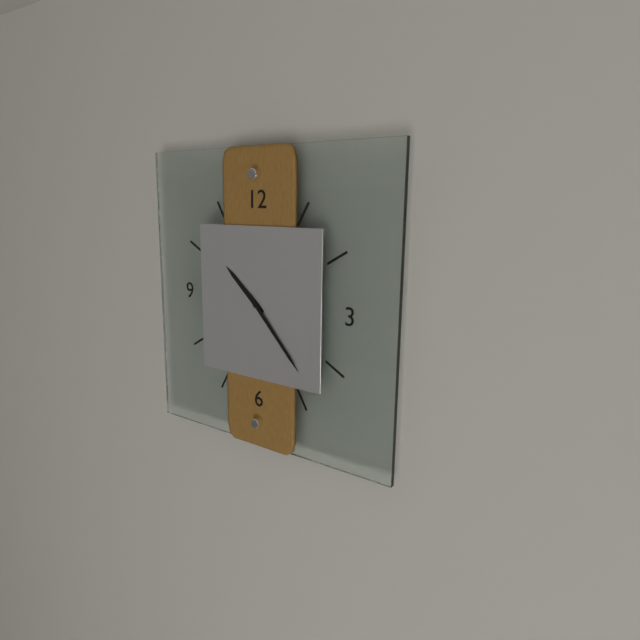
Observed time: 10:23
